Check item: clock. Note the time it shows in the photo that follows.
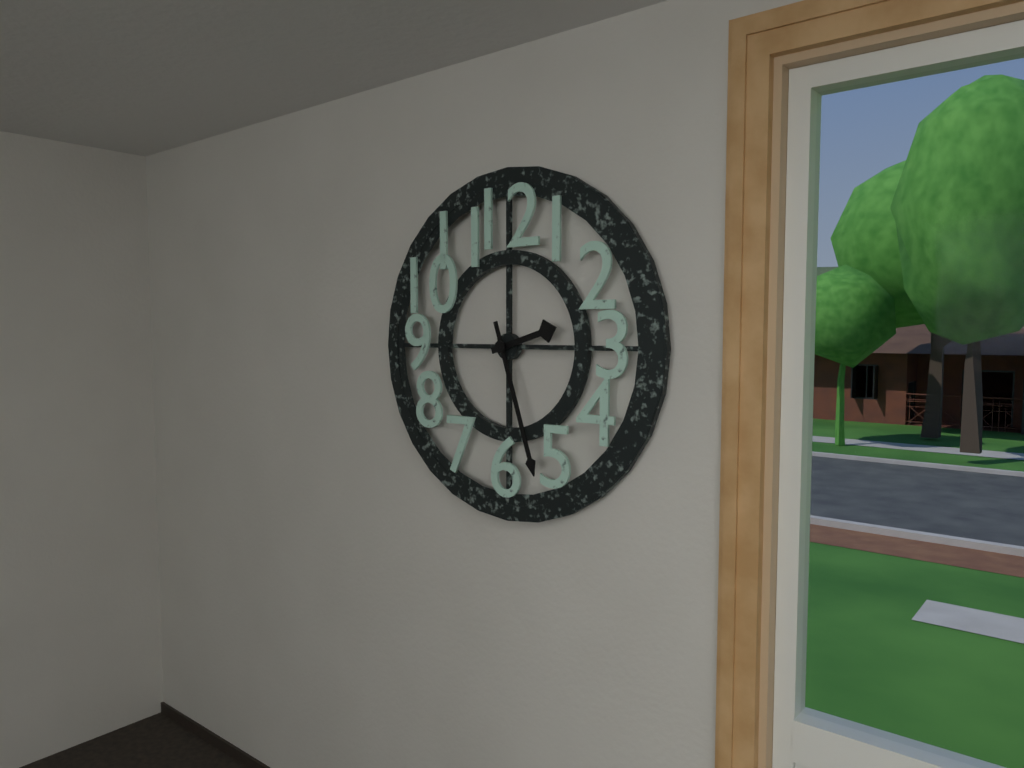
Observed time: 2:27
